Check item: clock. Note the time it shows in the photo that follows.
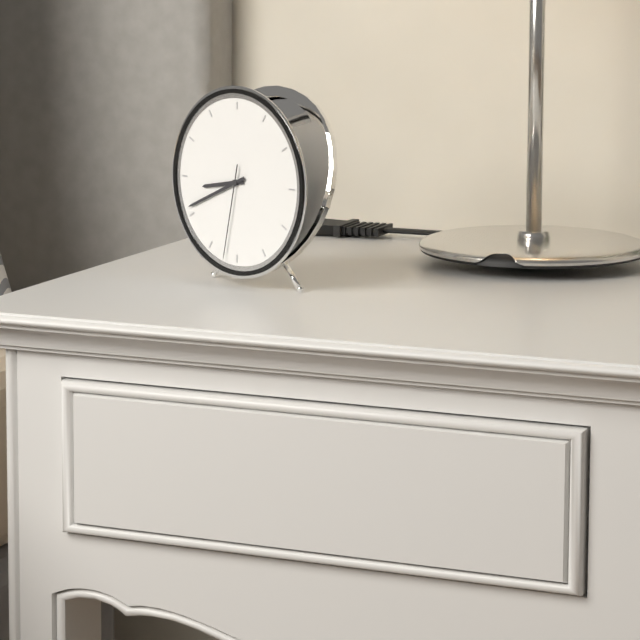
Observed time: 8:41:32
